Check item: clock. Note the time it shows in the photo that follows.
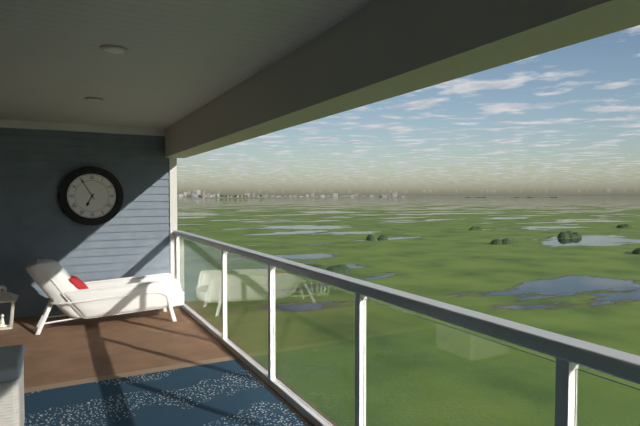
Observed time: 6:55
